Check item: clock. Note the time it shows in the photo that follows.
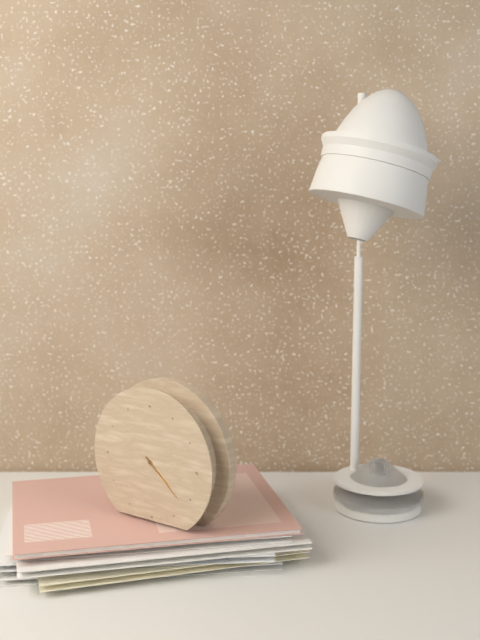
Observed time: 4:22
